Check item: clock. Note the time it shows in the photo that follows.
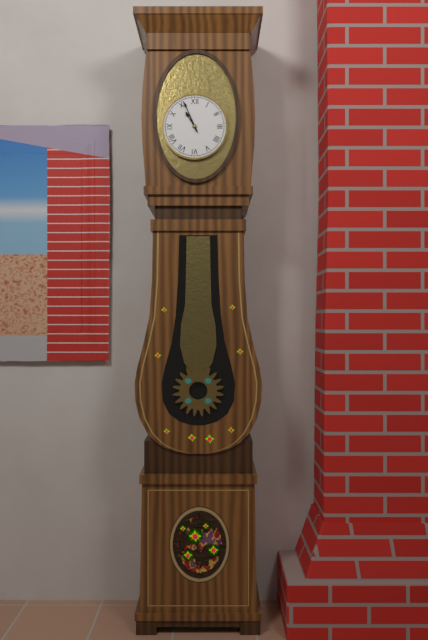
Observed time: 10:56
